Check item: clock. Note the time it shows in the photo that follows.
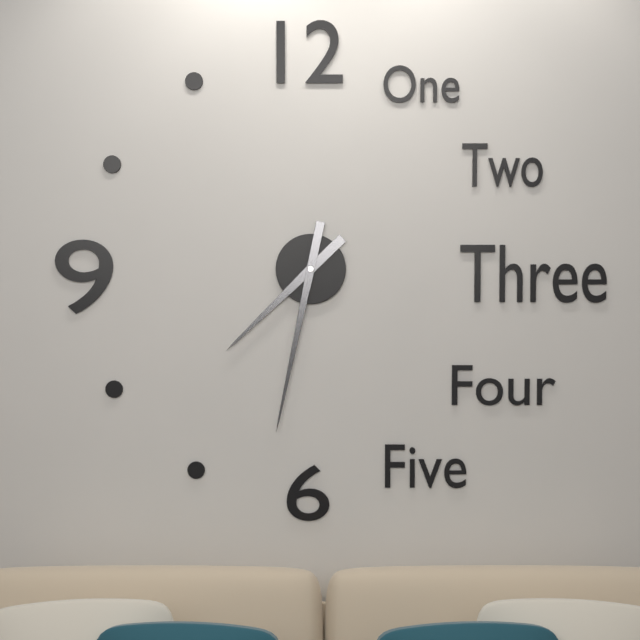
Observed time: 7:32
